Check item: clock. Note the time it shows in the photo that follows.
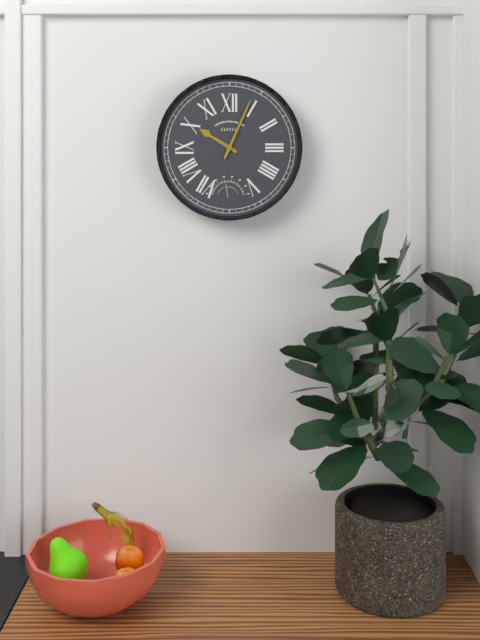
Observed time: 10:04
